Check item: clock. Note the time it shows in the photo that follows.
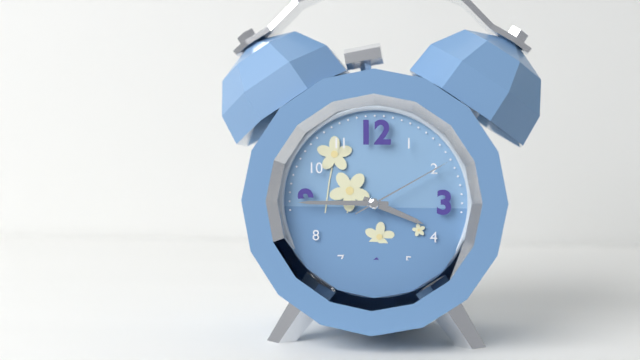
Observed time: 3:45:10
